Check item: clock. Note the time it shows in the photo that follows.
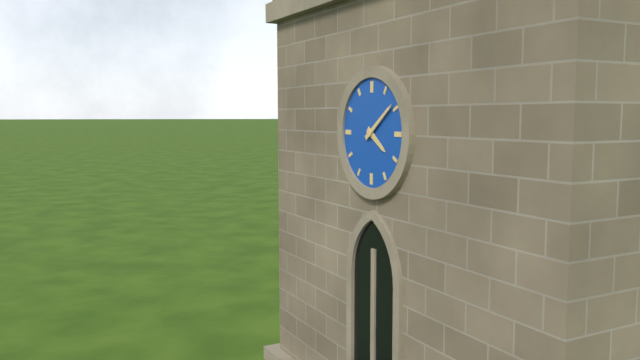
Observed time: 4:09
